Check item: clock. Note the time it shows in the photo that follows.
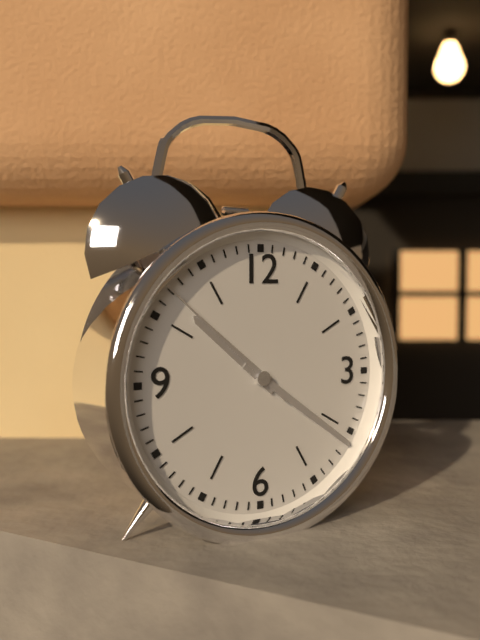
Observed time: 10:21:52
